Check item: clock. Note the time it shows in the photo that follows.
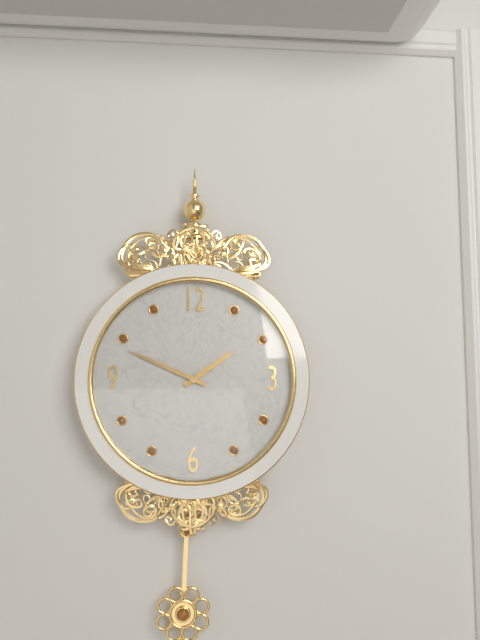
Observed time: 1:49
